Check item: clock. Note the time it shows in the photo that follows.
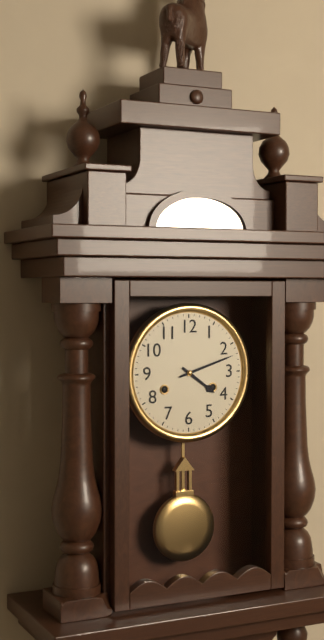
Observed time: 4:12
